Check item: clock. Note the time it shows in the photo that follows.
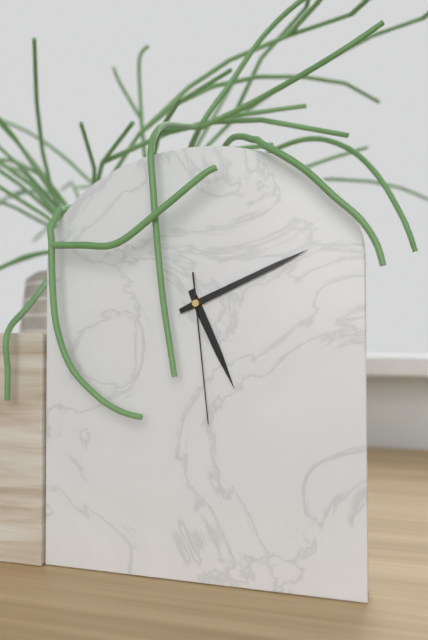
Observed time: 5:11:29
